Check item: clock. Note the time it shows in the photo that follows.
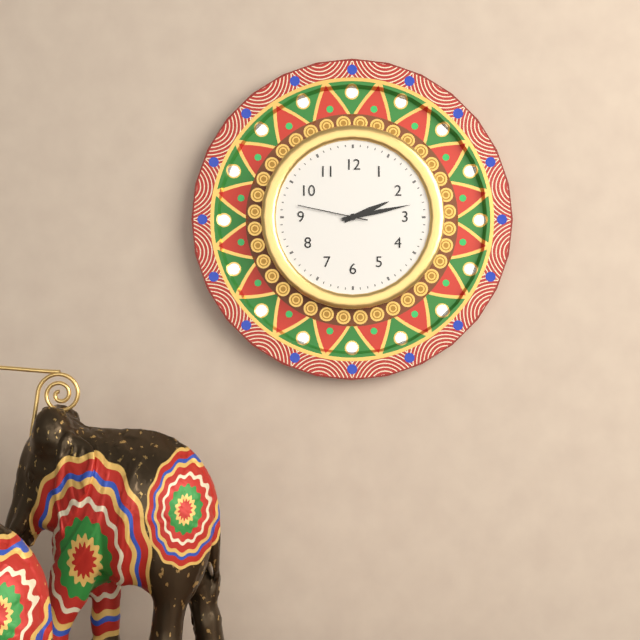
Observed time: 2:13:47
